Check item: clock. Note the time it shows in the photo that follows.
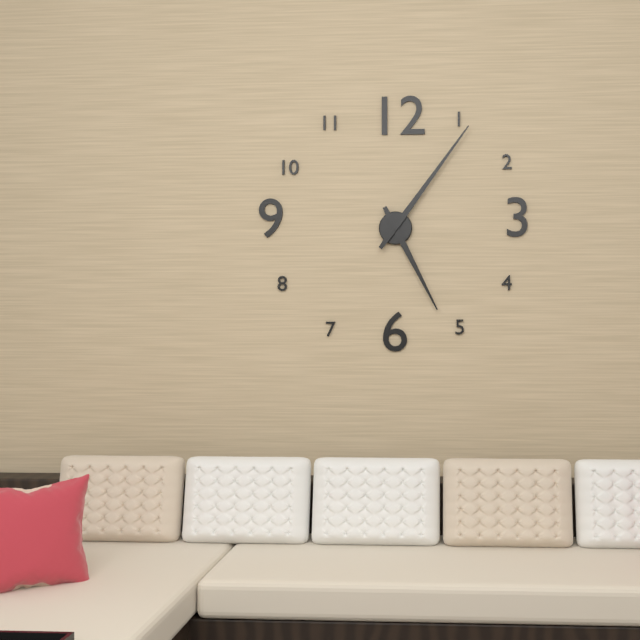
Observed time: 5:06
